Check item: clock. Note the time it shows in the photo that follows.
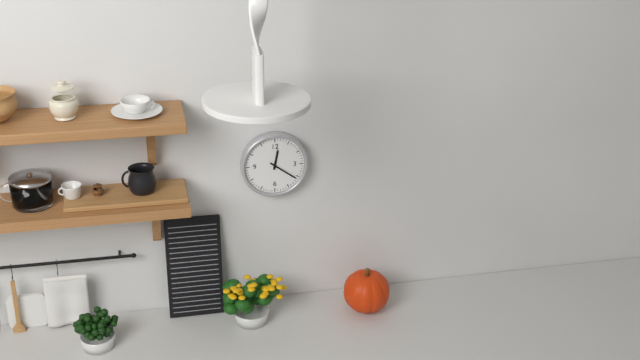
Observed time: 12:21
